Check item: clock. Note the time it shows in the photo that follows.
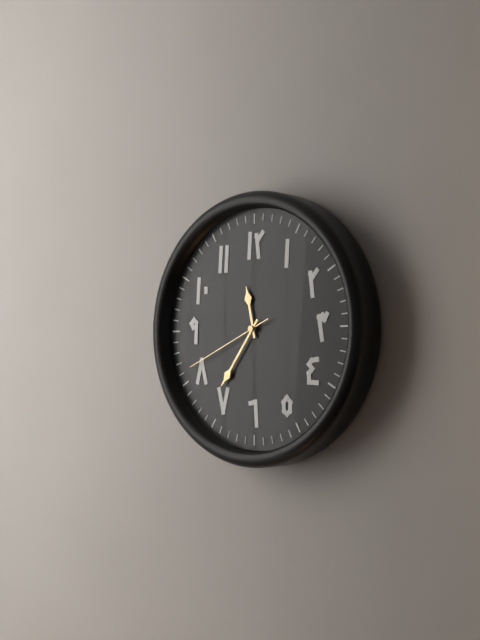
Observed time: 11:36:41
